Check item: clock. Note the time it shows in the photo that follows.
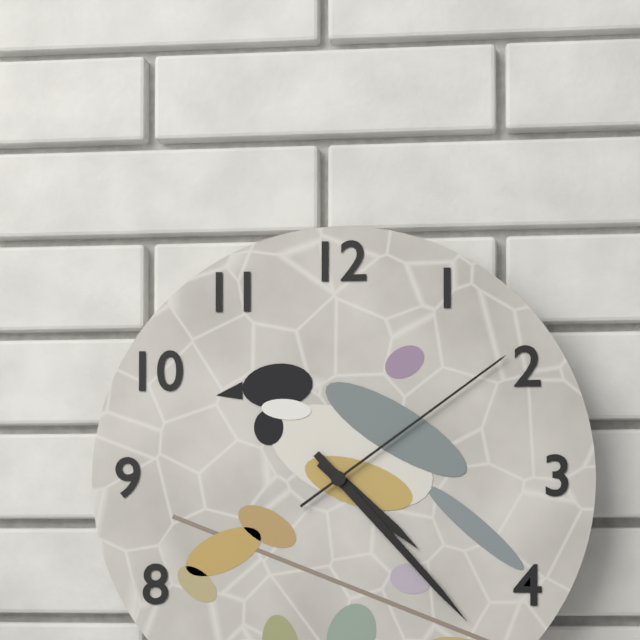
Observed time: 4:23:09
